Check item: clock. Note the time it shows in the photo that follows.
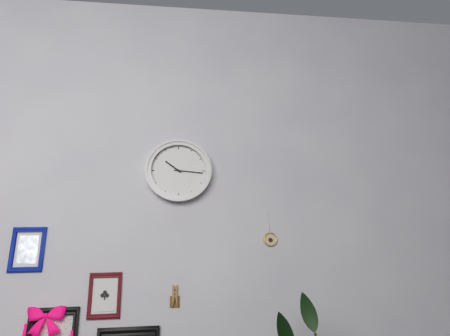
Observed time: 10:16
